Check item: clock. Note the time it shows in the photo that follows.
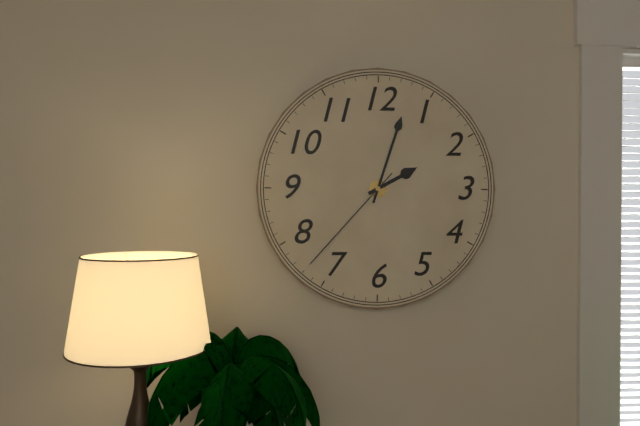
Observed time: 2:03:37
